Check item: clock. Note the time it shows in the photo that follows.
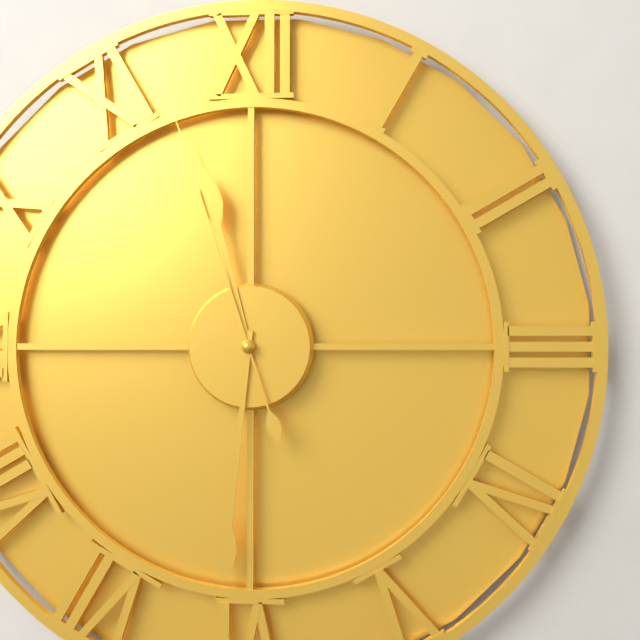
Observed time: 11:31:57
